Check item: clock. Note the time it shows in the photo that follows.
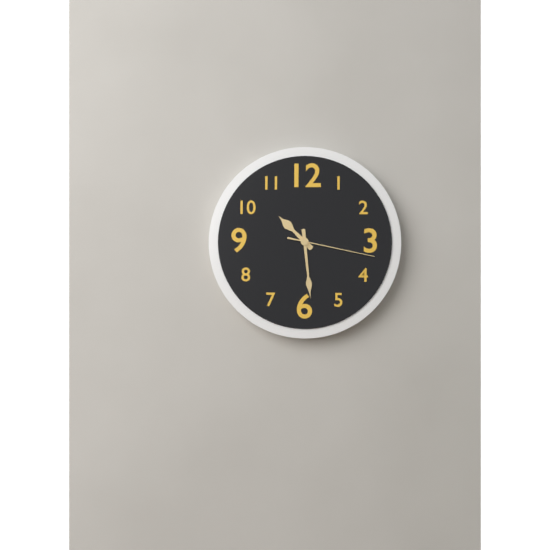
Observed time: 10:29:17
